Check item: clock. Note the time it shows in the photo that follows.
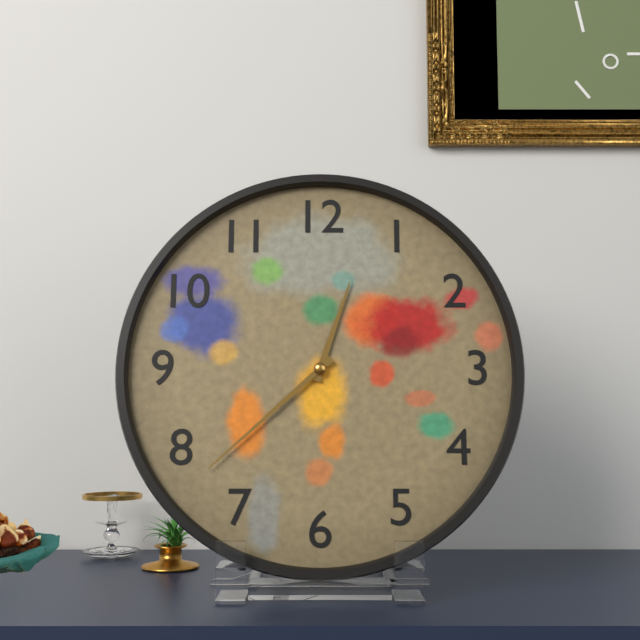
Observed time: 12:38
